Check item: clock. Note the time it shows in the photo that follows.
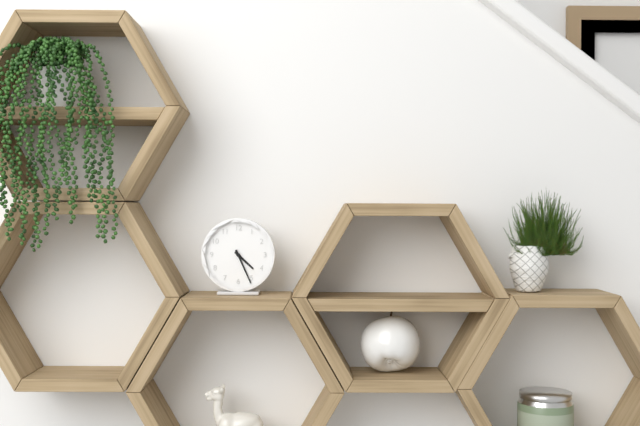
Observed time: 4:26
